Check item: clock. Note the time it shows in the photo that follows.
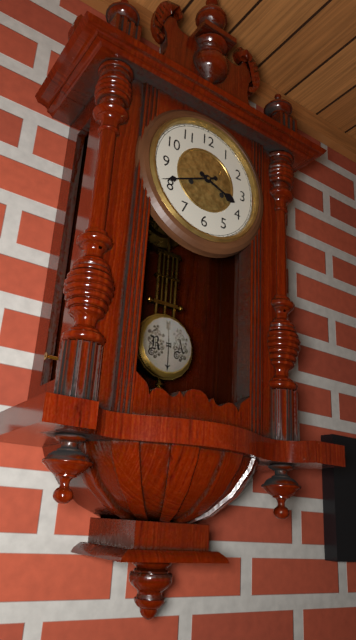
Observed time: 3:41
